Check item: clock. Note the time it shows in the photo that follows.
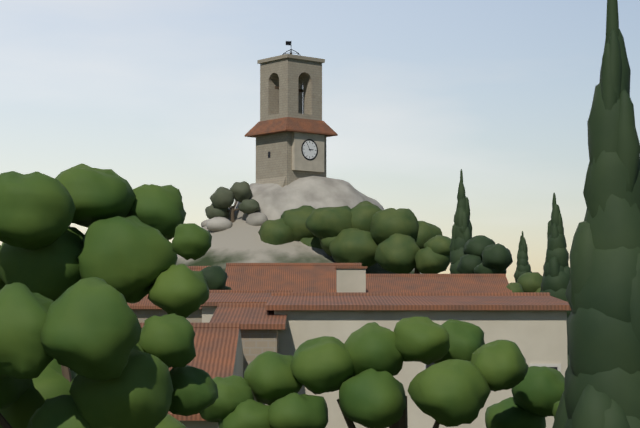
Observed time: 2:55
